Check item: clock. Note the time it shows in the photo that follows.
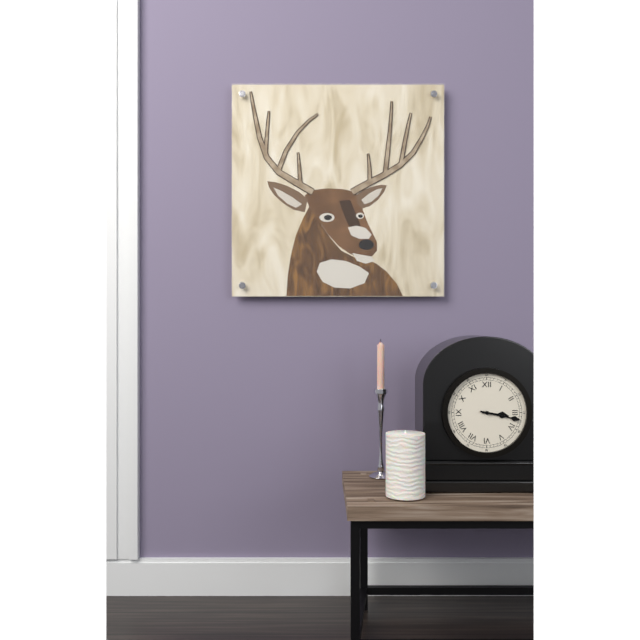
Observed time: 3:17
